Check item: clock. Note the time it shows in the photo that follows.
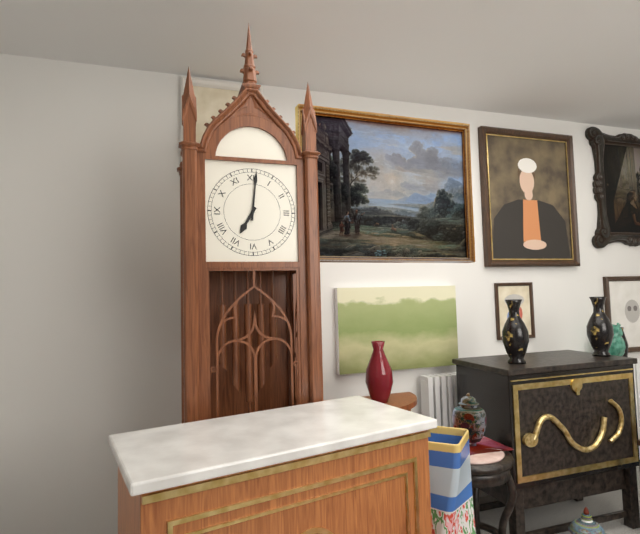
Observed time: 7:01
